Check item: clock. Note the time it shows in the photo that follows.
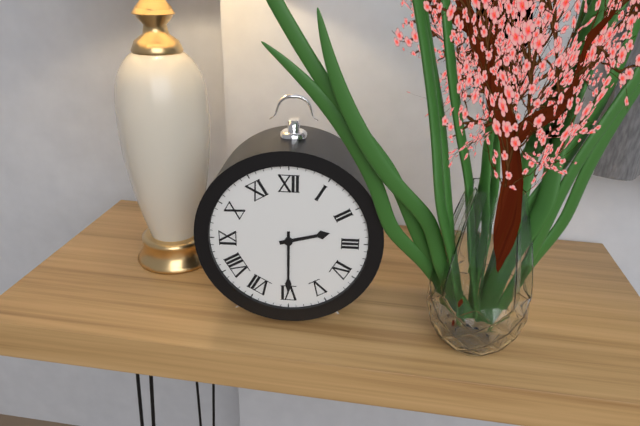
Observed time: 2:30
